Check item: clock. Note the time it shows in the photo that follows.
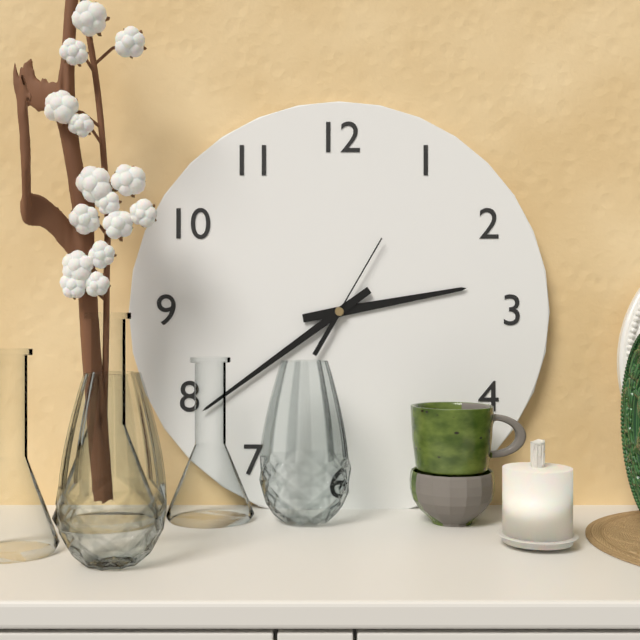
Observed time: 2:39:05
